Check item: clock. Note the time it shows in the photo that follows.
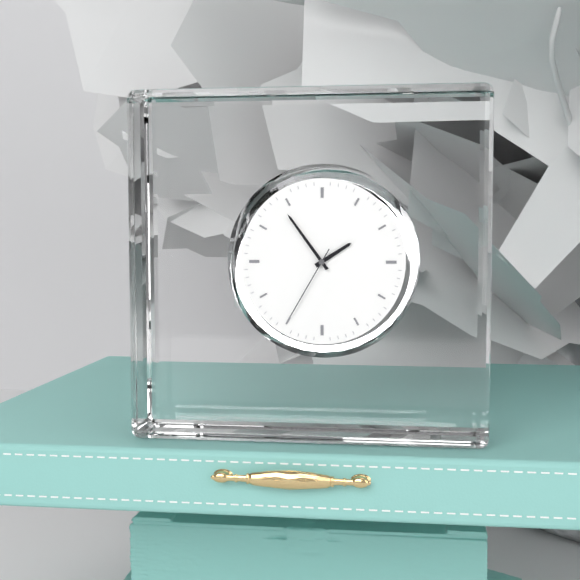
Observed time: 1:54:35
